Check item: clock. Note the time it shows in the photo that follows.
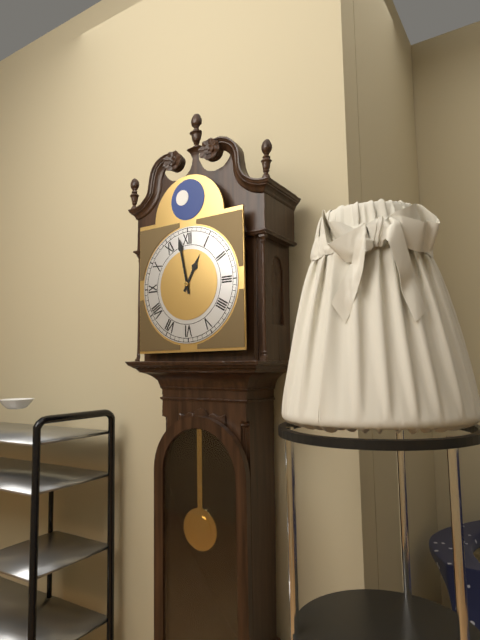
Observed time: 12:58
